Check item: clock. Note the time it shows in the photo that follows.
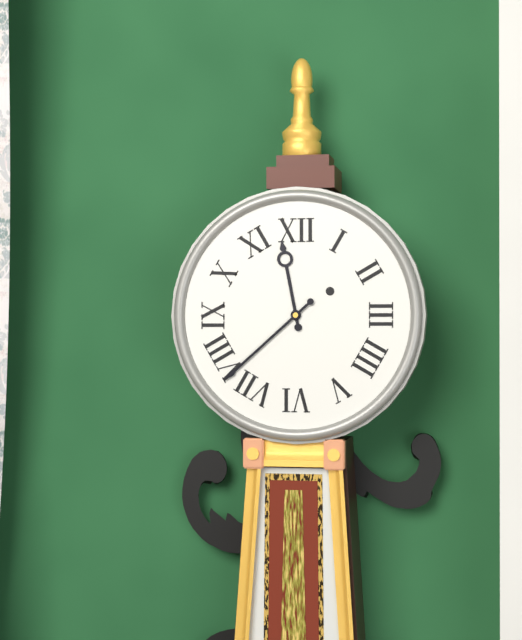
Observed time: 11:38
